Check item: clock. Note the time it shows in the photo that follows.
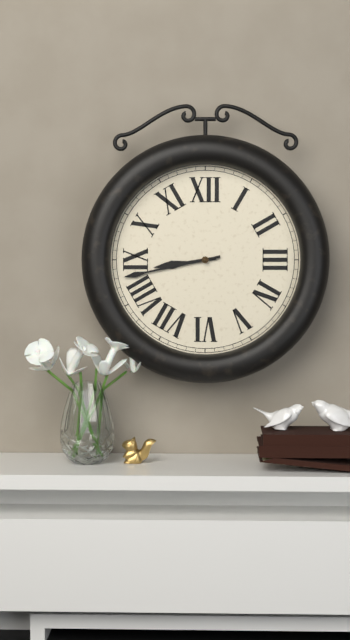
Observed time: 8:43
